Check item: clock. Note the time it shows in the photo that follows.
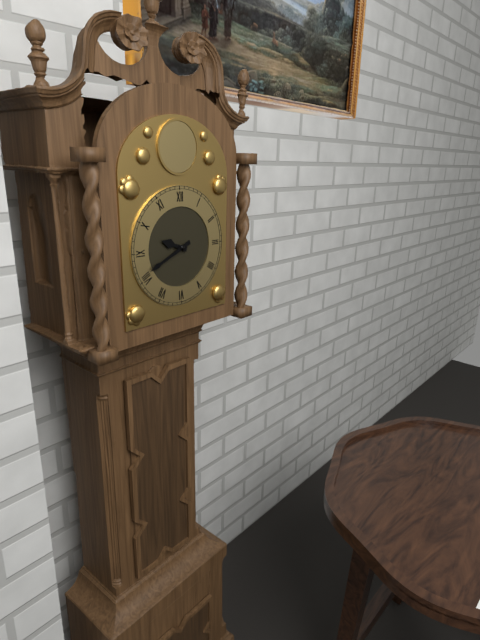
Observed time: 9:41
